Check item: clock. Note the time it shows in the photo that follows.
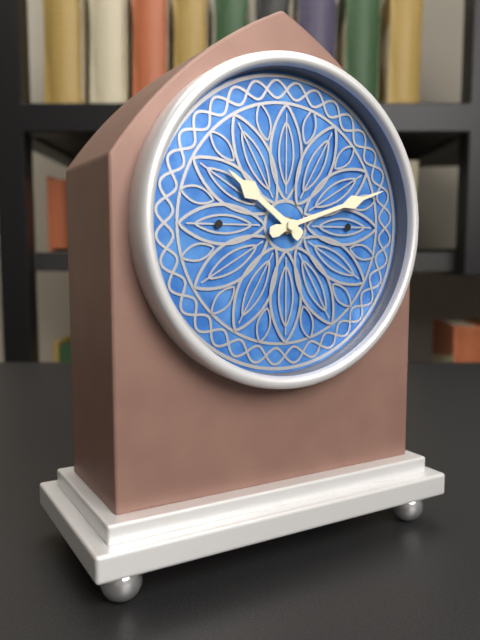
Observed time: 10:12
